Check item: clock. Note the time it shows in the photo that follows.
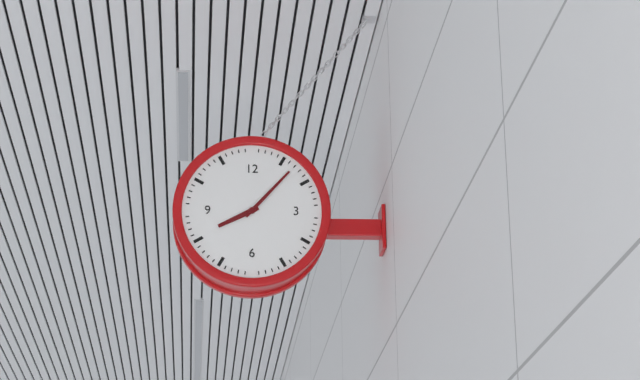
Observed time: 8:07
